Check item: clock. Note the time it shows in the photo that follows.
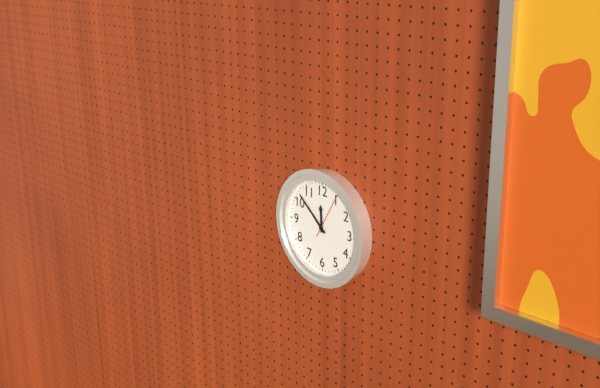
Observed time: 11:52
